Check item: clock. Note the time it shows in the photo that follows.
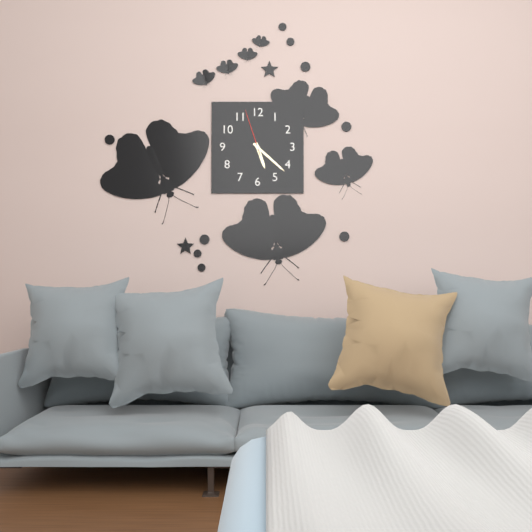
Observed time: 5:22:57
